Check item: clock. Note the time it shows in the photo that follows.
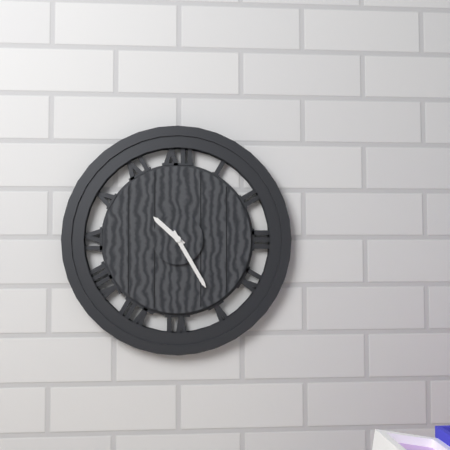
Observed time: 10:25
